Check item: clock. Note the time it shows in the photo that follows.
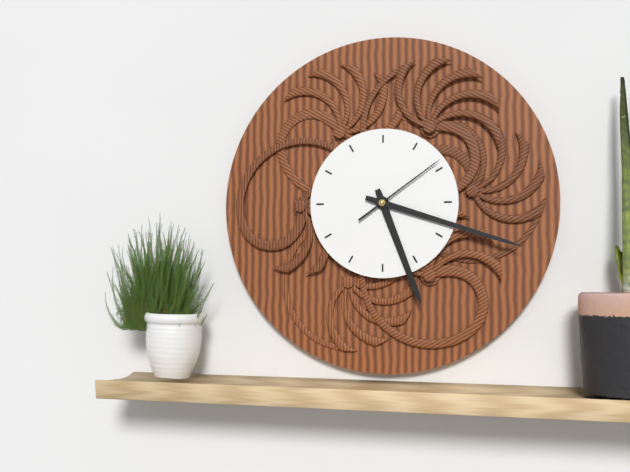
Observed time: 5:18:09
